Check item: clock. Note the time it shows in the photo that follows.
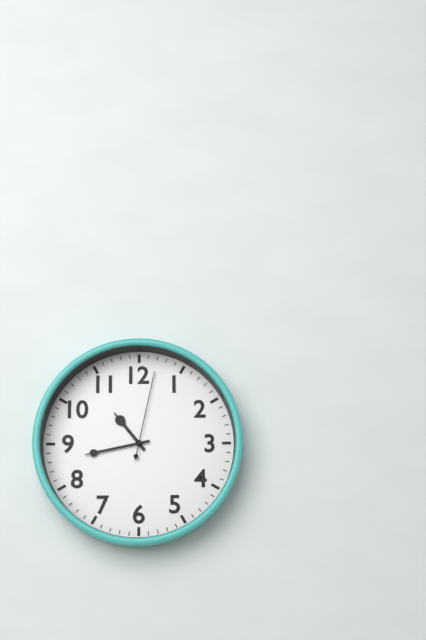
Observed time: 10:43:02
